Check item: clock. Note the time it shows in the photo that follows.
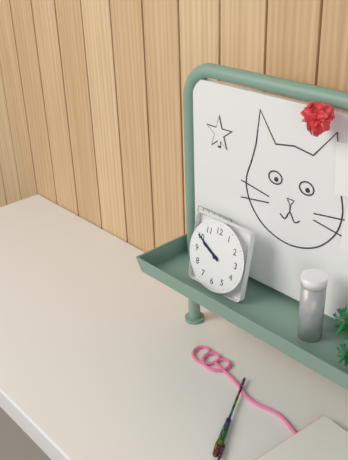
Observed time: 9:50
